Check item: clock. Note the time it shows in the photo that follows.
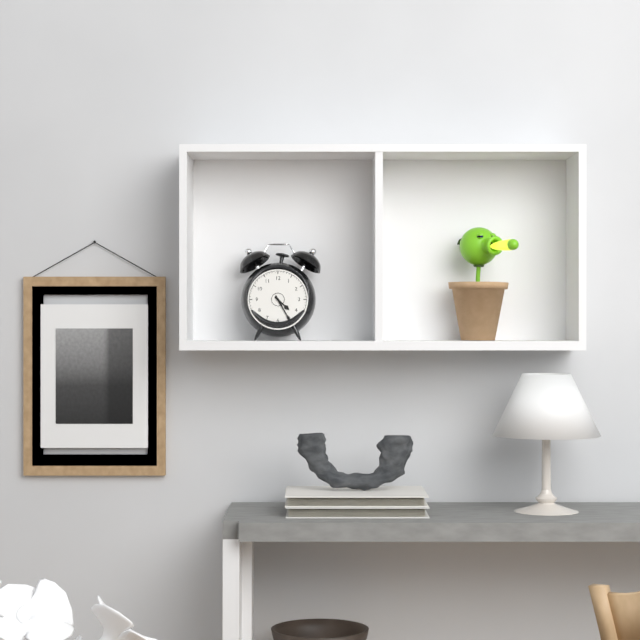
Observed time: 4:25
